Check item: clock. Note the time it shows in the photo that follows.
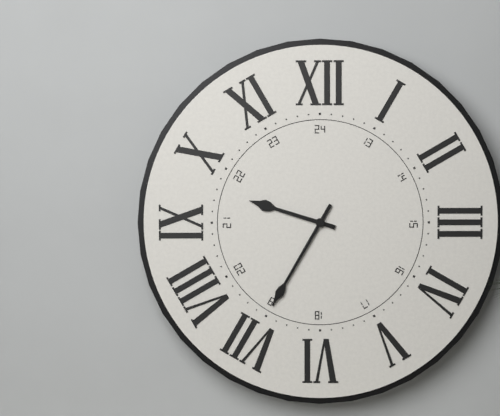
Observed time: 9:35
